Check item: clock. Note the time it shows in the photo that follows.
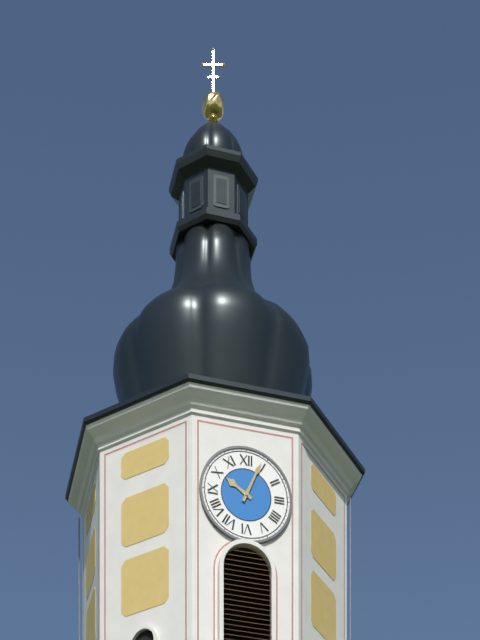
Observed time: 10:04
